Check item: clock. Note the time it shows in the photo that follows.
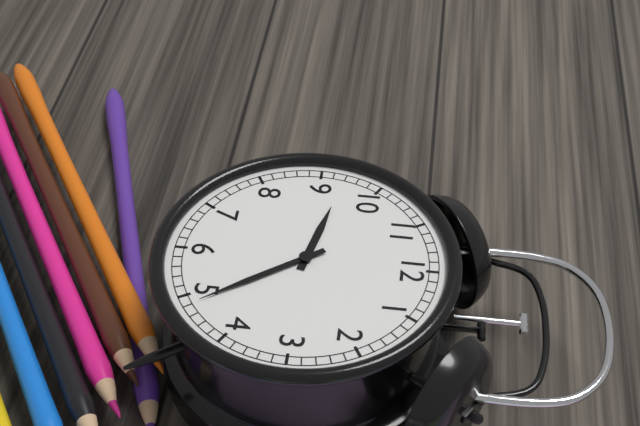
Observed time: 9:24
